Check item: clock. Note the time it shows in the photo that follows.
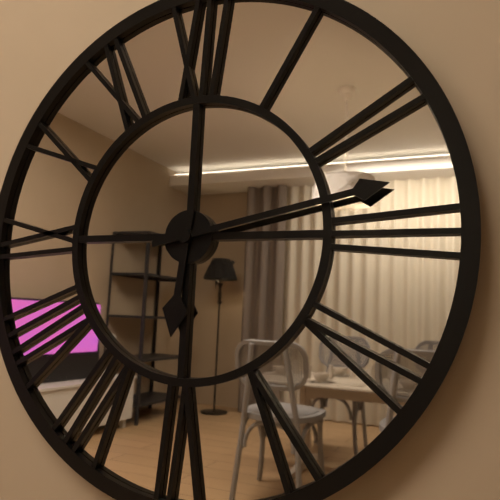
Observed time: 6:13
